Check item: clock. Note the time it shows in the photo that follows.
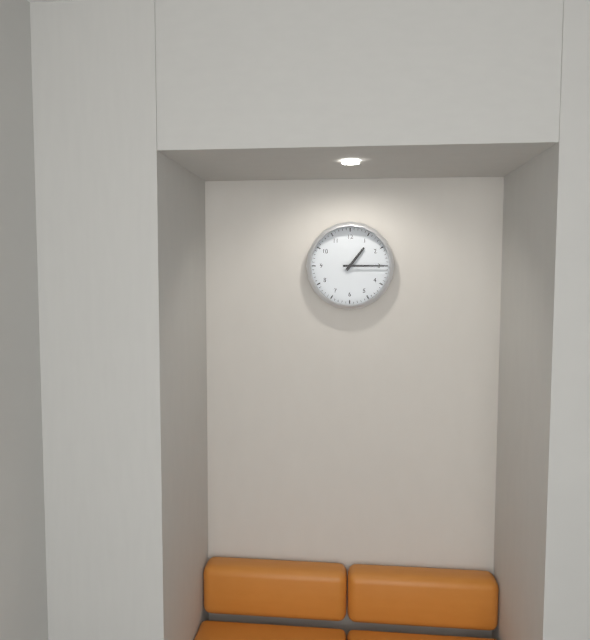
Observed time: 1:15
